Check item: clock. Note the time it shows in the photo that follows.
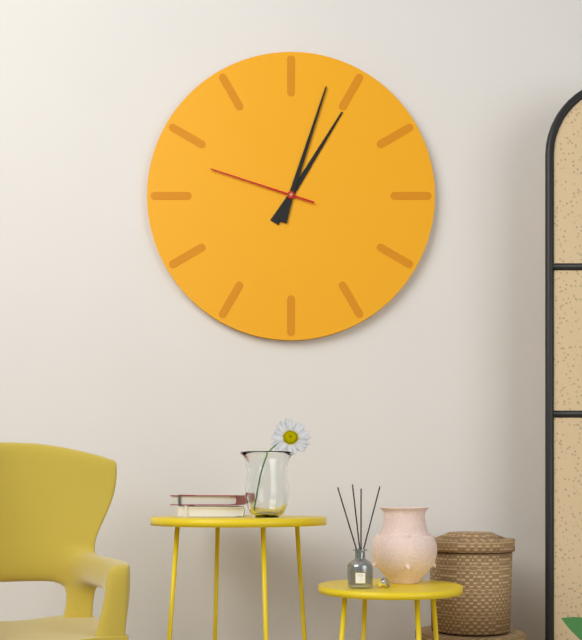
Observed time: 1:03:48
